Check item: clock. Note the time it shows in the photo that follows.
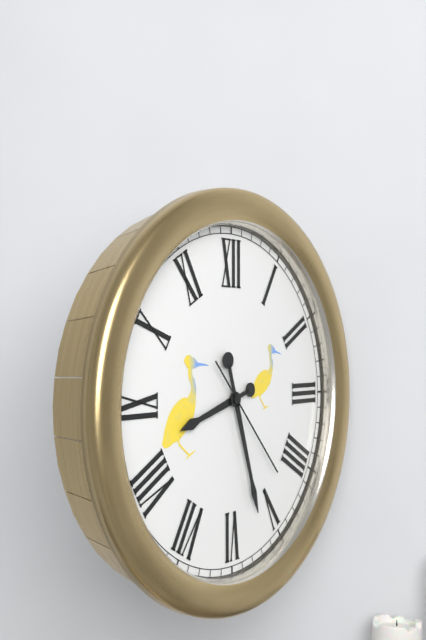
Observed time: 8:27:23
